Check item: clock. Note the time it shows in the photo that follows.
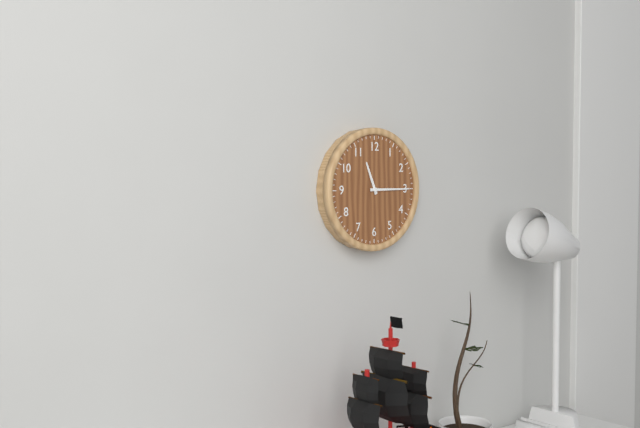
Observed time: 11:15
